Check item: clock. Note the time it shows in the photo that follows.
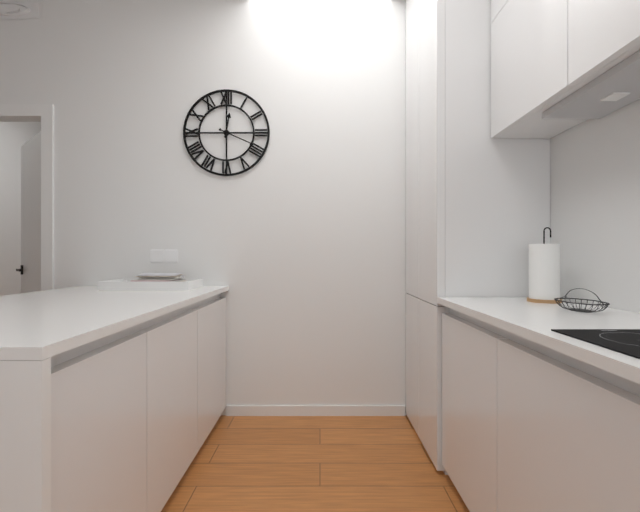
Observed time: 12:19
